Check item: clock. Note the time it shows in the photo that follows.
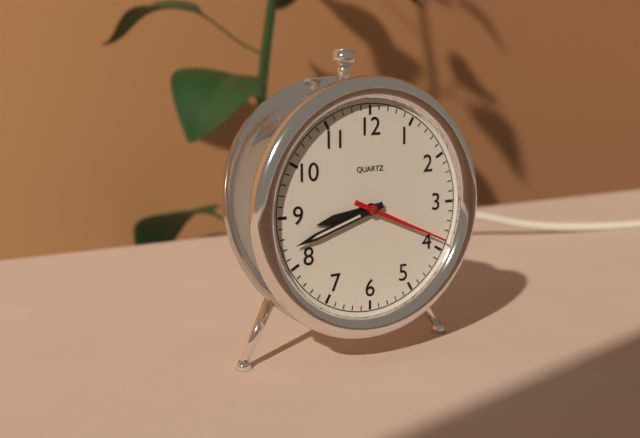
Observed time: 8:42:19
